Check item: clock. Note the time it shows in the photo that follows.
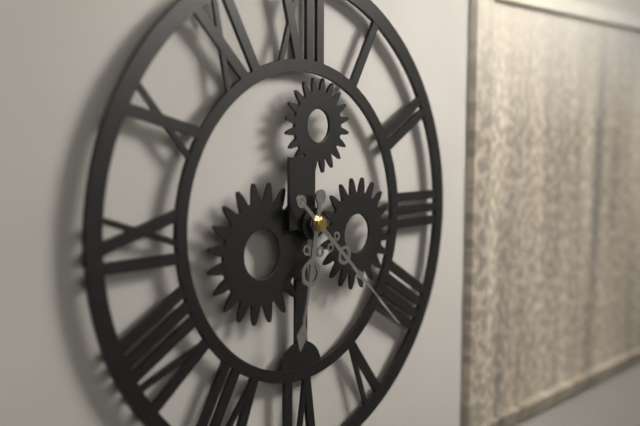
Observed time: 6:22
